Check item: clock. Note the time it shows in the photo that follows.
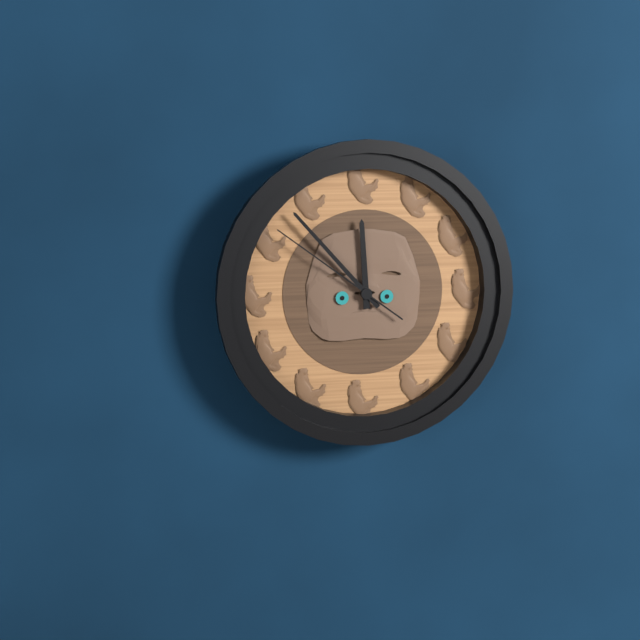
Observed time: 11:53:51
